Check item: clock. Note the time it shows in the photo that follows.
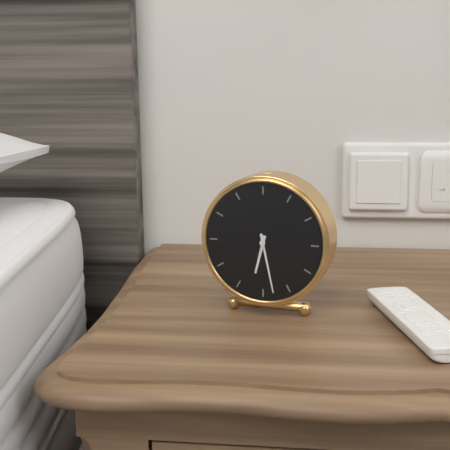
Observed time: 6:28
